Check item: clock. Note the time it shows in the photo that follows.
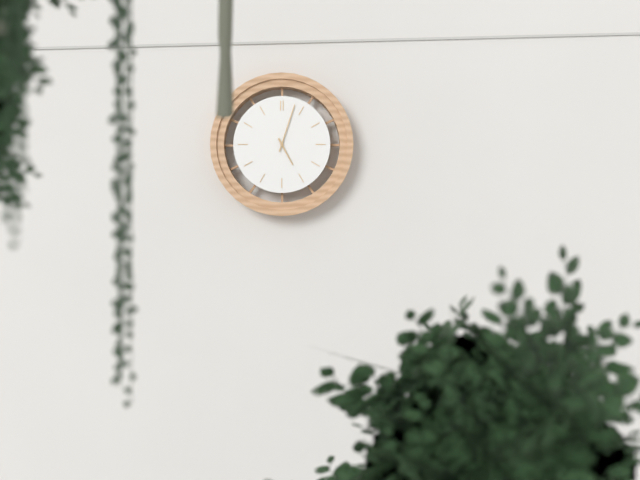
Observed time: 5:03
